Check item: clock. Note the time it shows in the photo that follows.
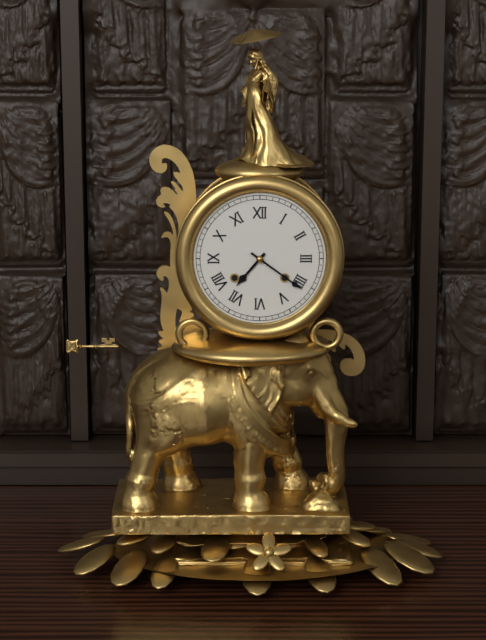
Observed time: 7:21
